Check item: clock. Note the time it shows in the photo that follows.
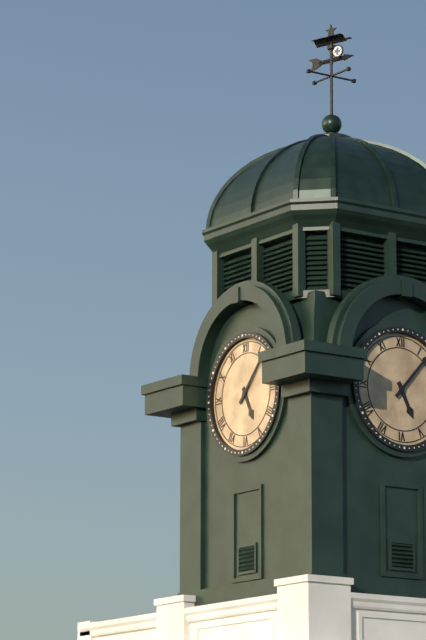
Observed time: 5:07
